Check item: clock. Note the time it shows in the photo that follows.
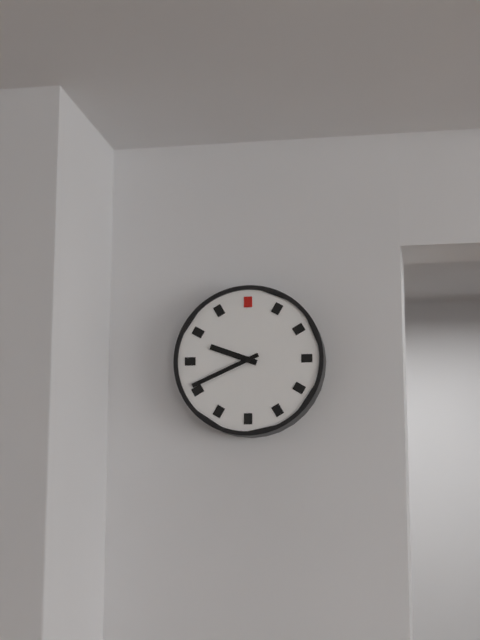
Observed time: 9:41
